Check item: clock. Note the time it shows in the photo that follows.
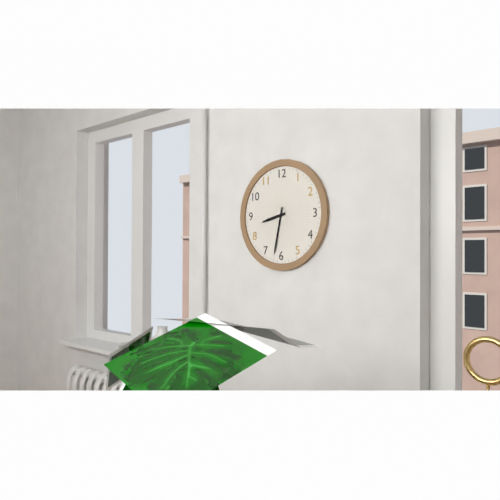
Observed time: 8:32
